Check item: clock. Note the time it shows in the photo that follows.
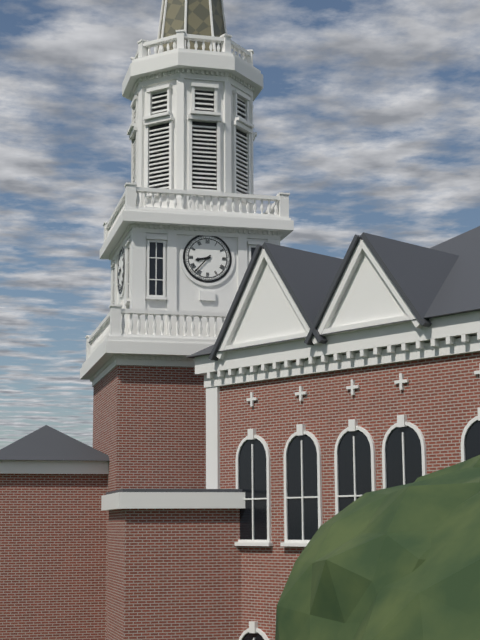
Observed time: 8:37
